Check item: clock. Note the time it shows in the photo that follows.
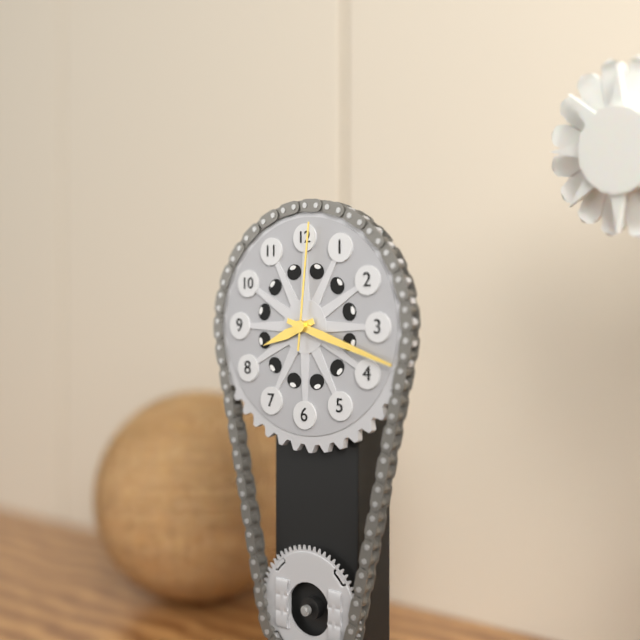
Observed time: 8:18:01
